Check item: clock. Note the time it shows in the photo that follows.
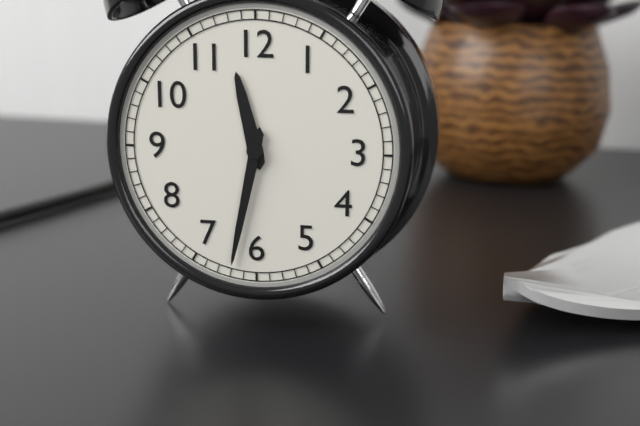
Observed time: 11:32
